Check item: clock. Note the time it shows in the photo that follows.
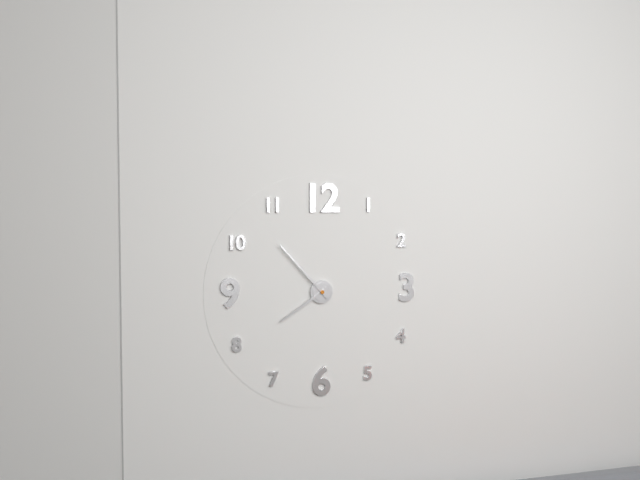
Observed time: 7:53
